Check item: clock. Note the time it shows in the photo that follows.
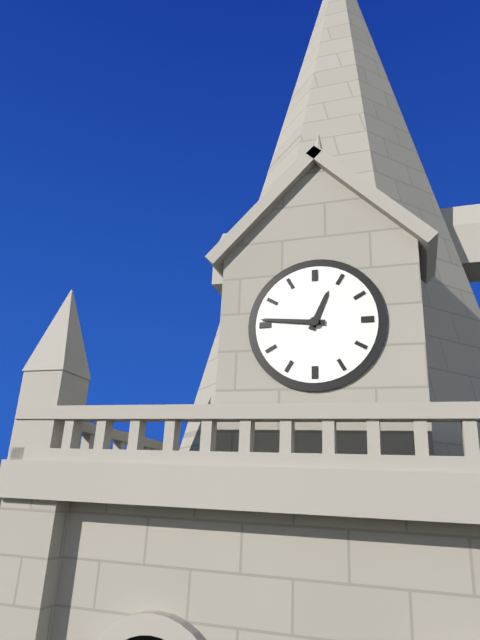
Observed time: 12:46
